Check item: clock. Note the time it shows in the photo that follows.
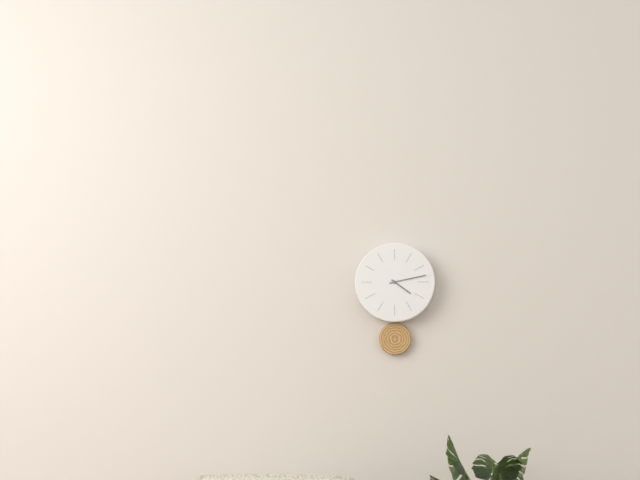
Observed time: 4:13
